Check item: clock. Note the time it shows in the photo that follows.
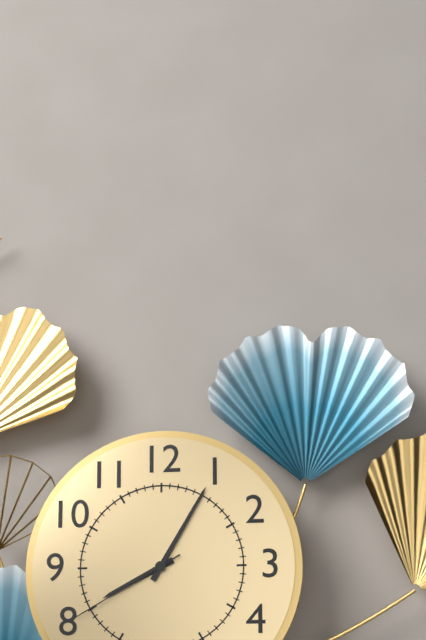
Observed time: 8:05:40
